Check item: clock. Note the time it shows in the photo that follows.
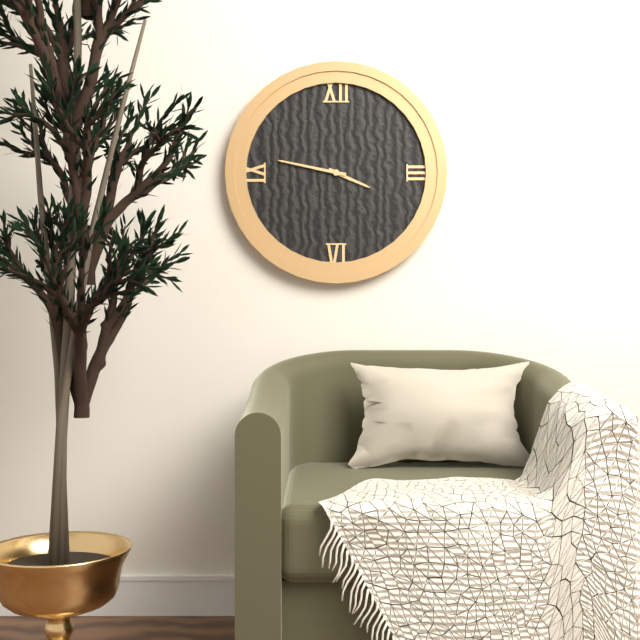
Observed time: 3:47
